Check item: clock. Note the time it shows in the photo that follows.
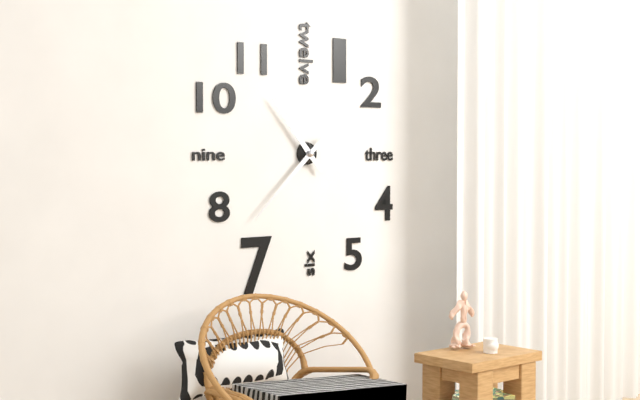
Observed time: 10:38
